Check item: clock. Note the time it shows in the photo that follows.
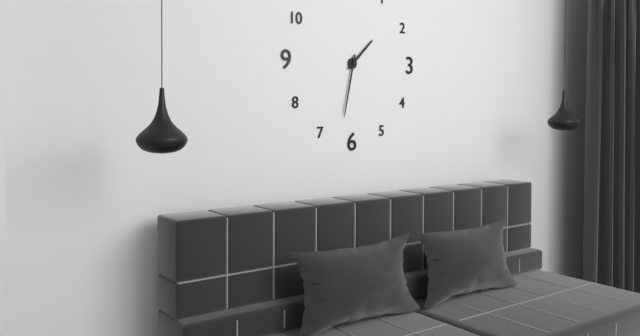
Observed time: 1:32
